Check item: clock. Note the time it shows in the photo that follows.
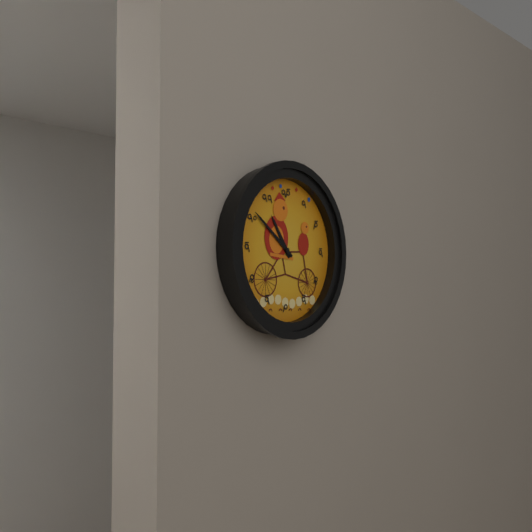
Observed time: 10:51
